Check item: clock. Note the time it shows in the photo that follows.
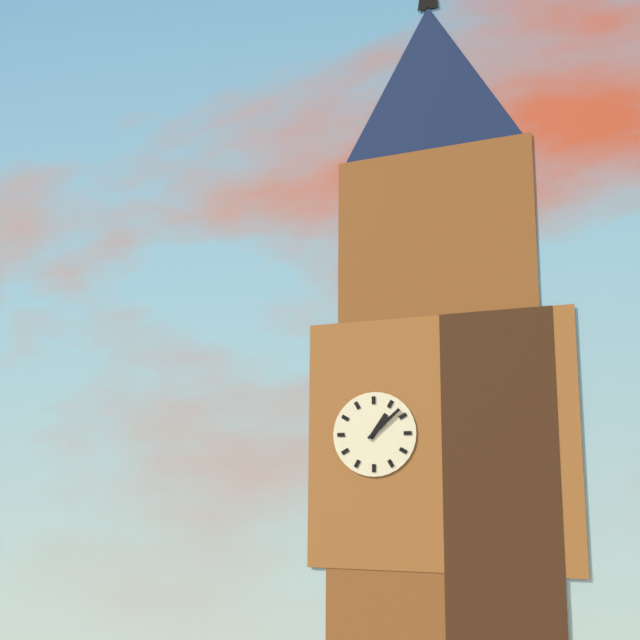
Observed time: 1:08
